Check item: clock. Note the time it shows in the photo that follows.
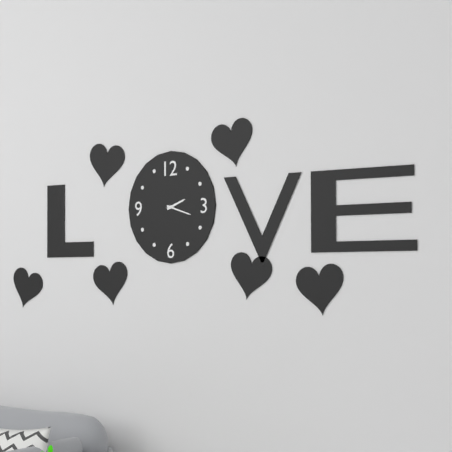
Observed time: 2:18
